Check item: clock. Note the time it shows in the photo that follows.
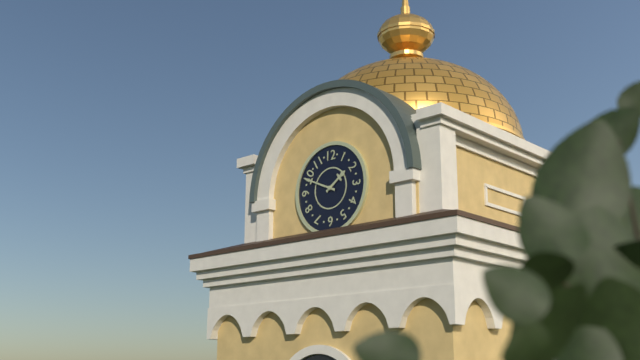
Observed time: 1:49
